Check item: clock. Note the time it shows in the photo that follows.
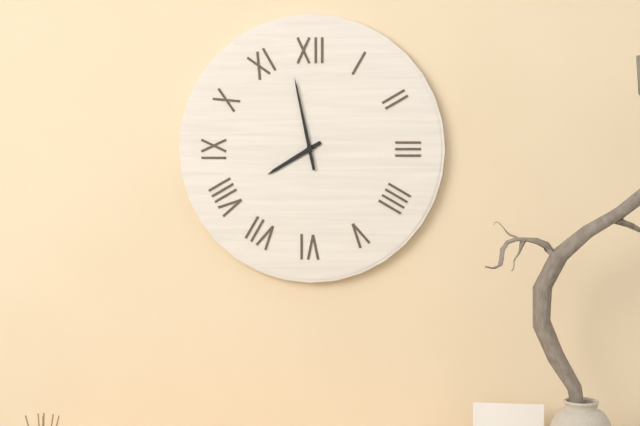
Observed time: 7:58
